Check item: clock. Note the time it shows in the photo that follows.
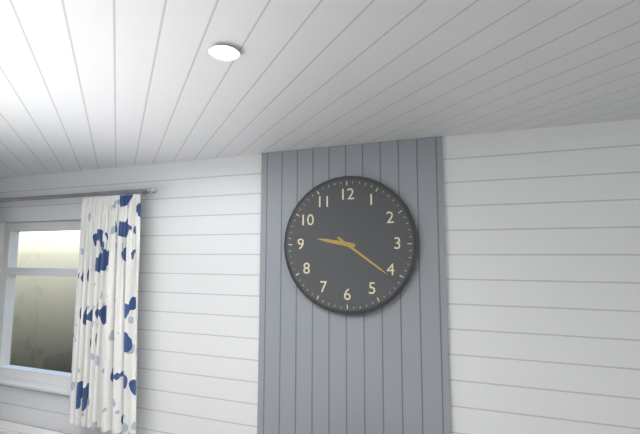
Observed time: 9:21
